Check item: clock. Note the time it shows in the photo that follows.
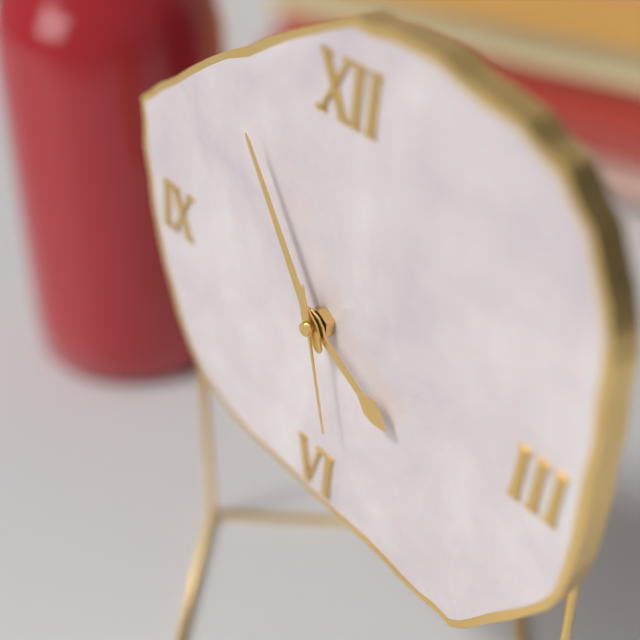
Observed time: 3:54:27
